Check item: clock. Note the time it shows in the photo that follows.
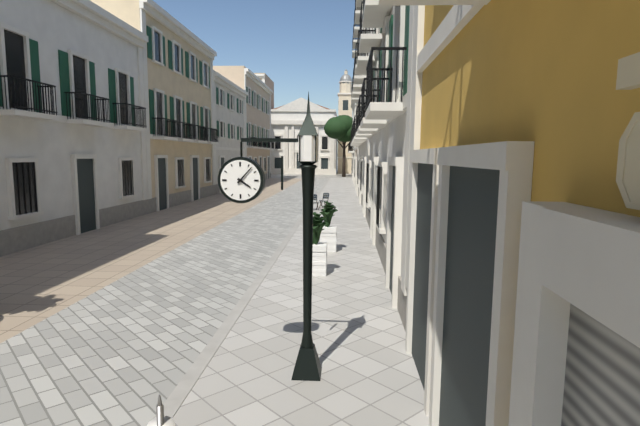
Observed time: 4:07
